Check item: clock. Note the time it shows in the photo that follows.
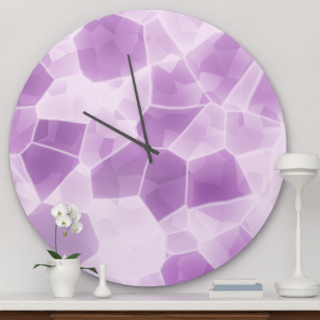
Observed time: 9:58
